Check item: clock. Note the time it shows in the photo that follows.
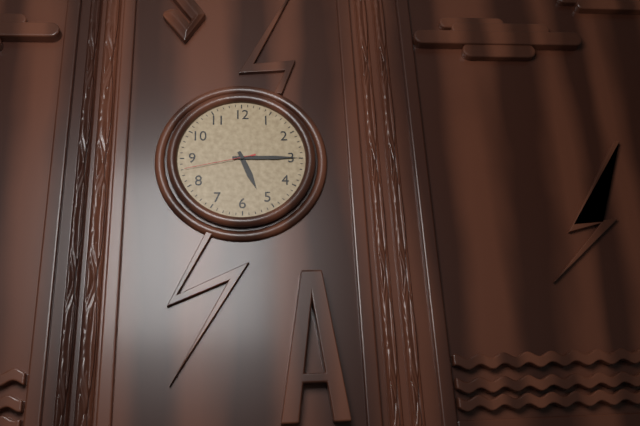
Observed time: 5:15:43
